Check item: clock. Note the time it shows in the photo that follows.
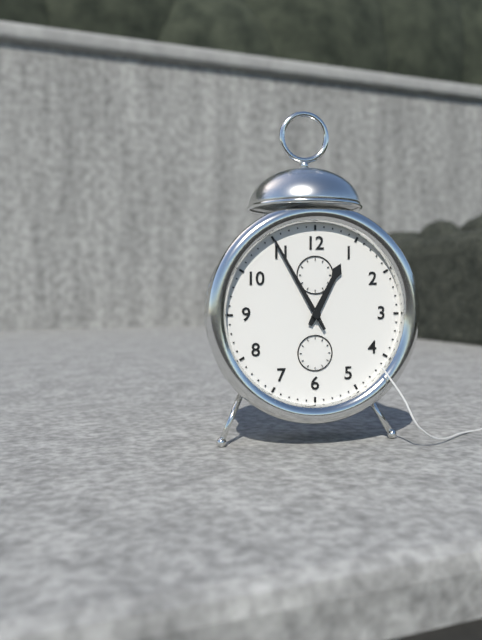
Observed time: 12:55
